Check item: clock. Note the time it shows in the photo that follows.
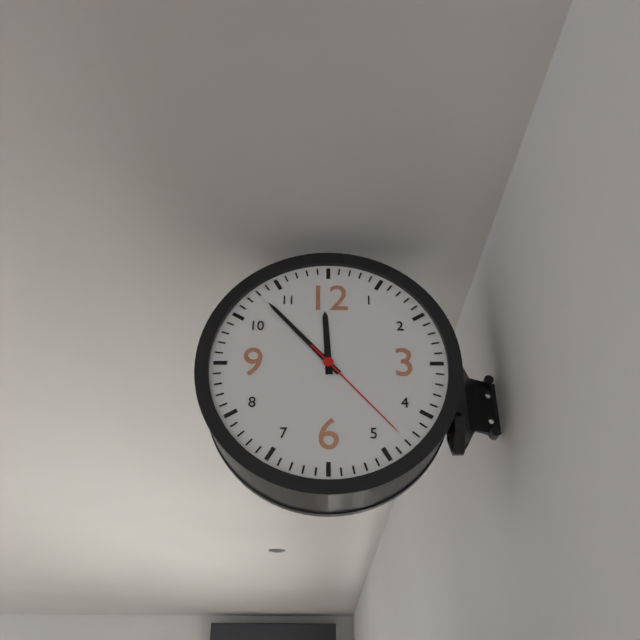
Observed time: 11:53:23
